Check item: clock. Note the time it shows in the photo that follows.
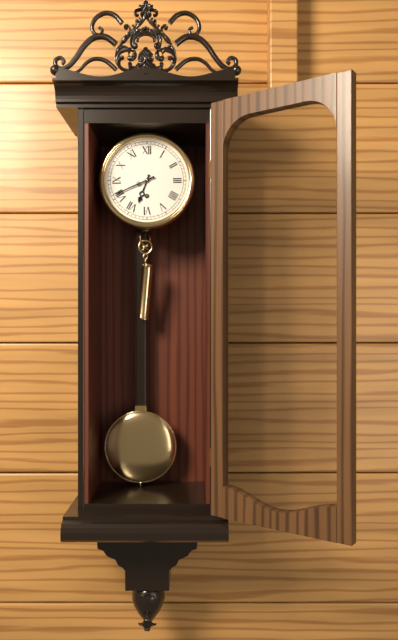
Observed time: 6:41
